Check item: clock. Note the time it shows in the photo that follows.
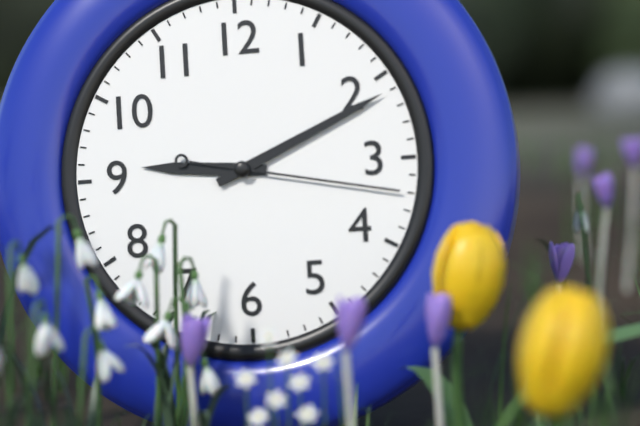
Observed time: 9:11:17
